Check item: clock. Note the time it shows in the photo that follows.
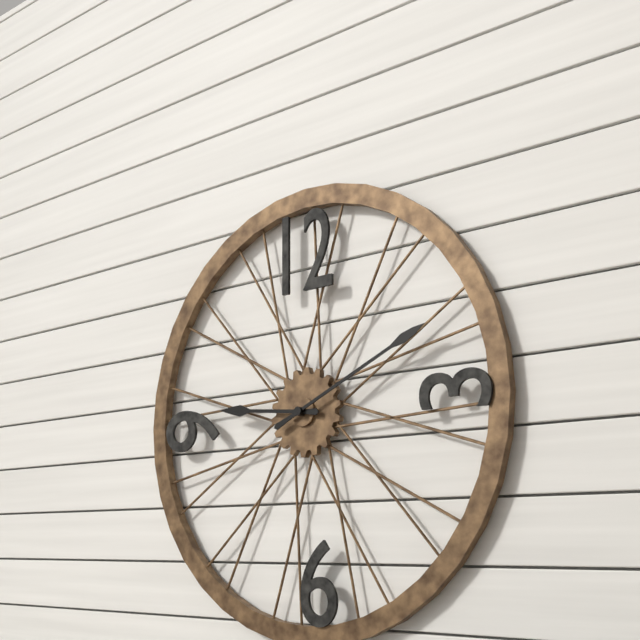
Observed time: 9:11
